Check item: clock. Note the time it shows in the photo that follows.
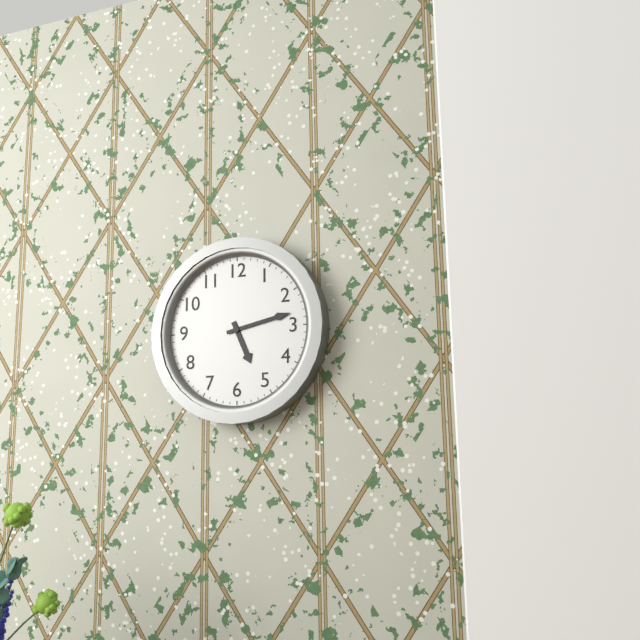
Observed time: 5:13
